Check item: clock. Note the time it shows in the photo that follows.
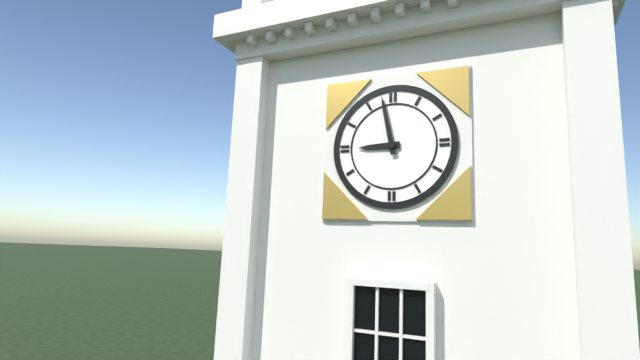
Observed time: 8:58
